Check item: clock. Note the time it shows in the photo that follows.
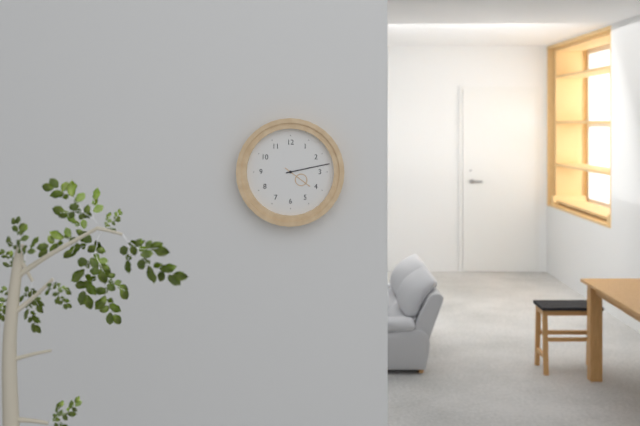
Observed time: 4:13
